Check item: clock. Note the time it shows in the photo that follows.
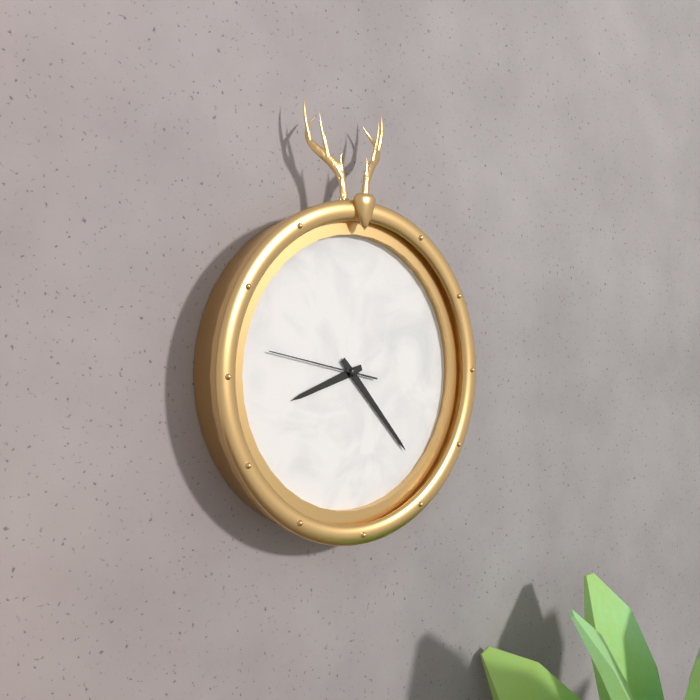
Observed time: 8:23:47
